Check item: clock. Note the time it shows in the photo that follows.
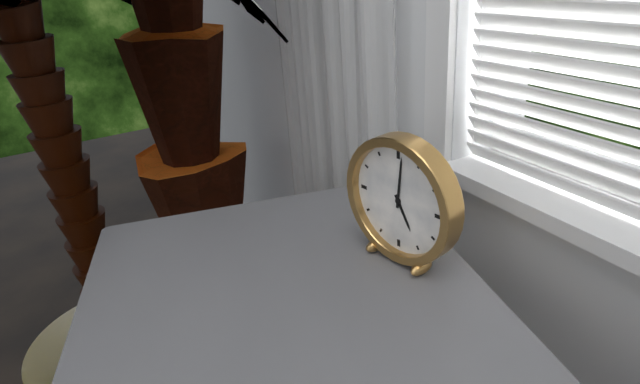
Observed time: 5:01
